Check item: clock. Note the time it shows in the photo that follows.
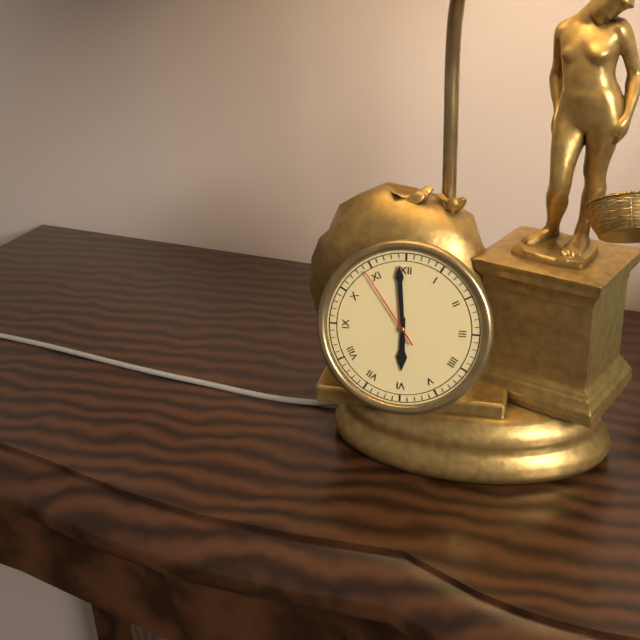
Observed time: 5:59:54
